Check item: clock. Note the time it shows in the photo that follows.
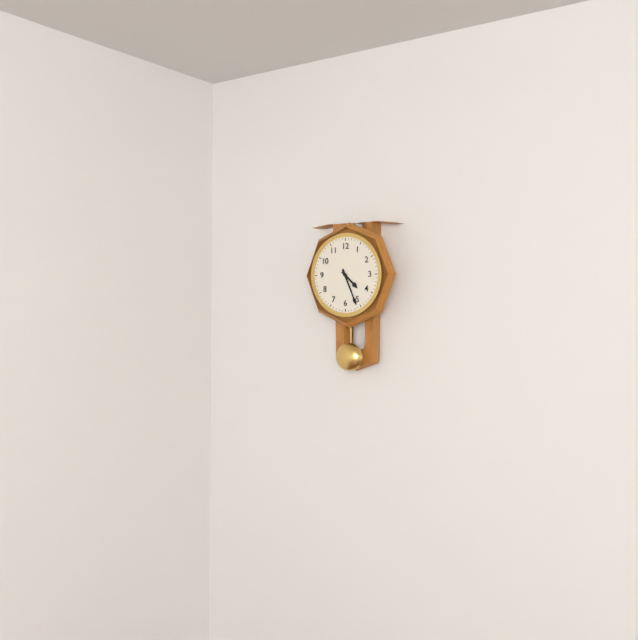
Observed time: 4:26
